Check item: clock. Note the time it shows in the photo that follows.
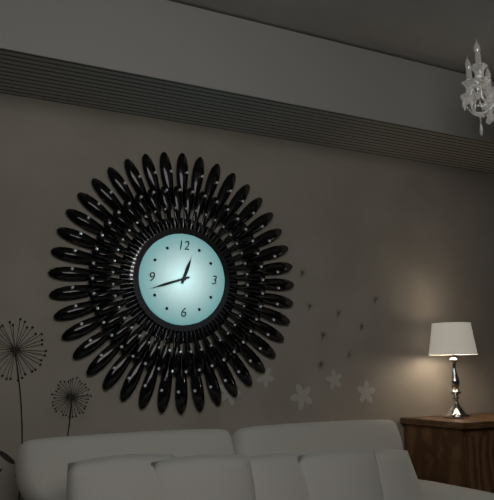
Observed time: 12:42
